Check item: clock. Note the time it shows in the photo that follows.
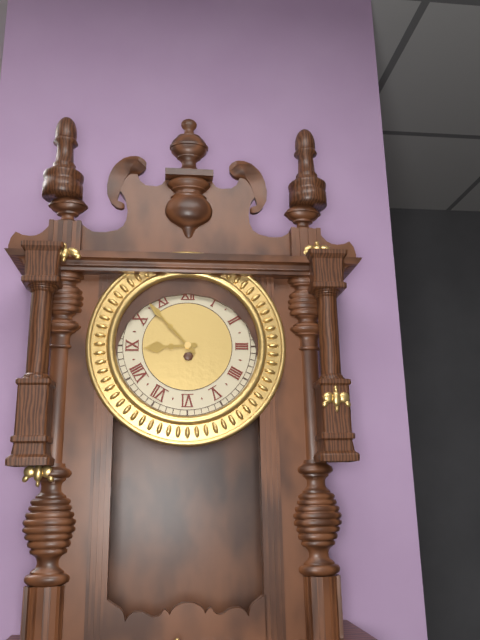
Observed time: 8:53
